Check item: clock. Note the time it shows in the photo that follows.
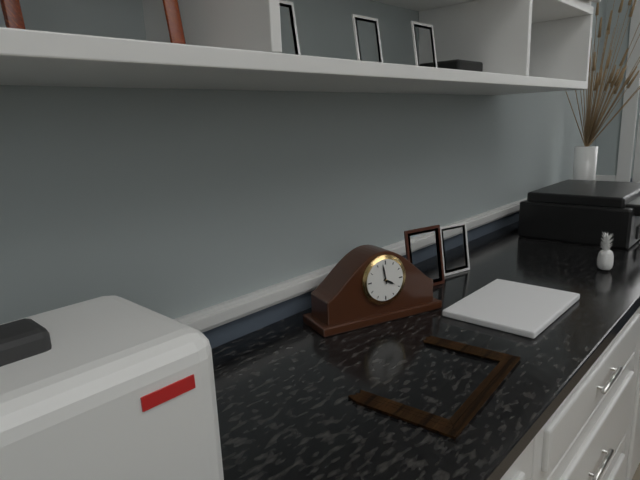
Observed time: 3:58
